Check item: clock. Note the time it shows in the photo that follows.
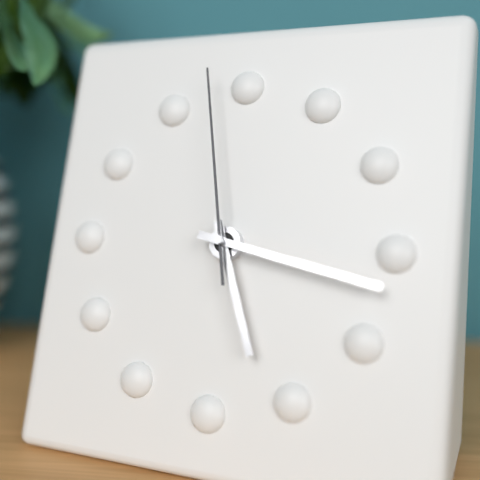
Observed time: 5:17:58
